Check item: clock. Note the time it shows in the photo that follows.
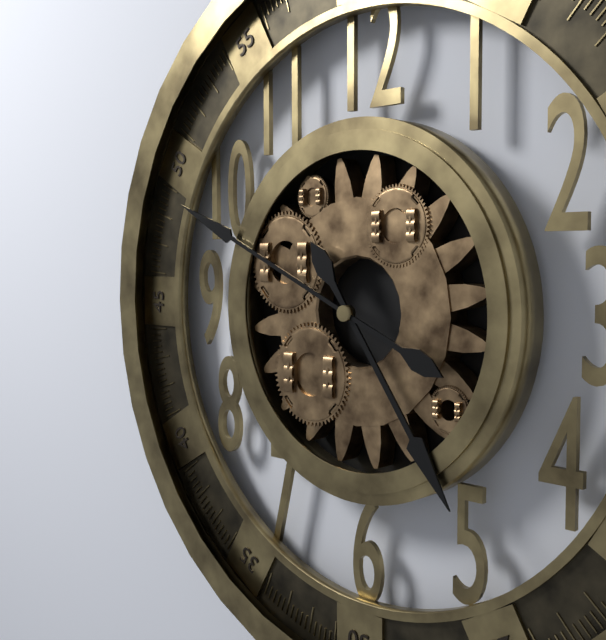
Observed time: 4:49
